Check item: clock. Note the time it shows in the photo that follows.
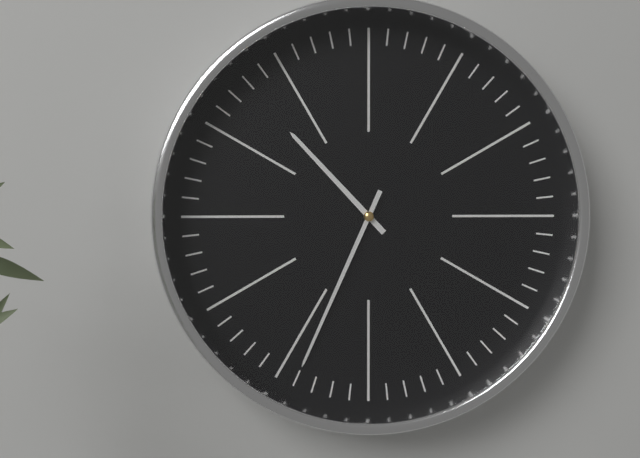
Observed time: 10:34
